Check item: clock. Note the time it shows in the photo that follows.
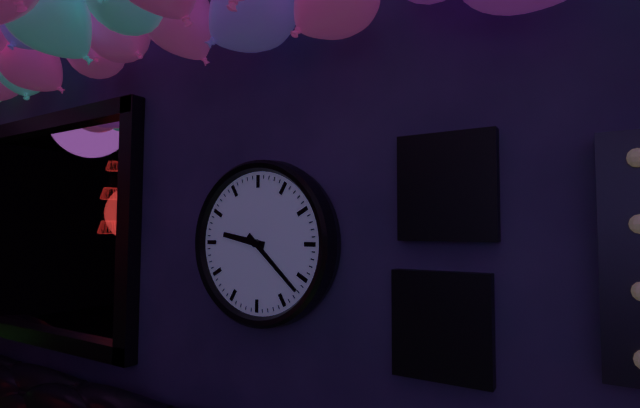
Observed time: 9:22
